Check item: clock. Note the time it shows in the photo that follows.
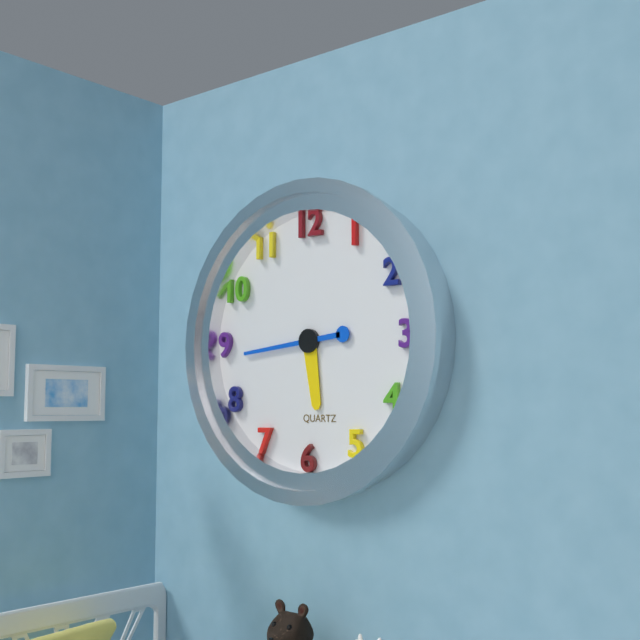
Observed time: 5:44
